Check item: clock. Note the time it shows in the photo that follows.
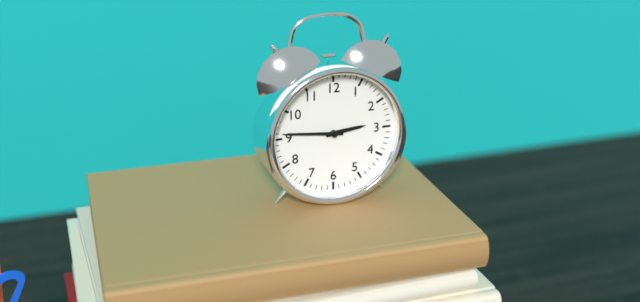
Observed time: 2:46
